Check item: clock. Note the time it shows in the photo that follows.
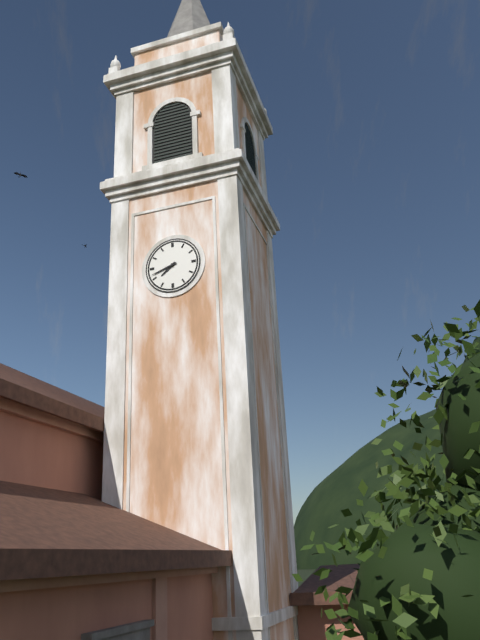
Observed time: 7:42
